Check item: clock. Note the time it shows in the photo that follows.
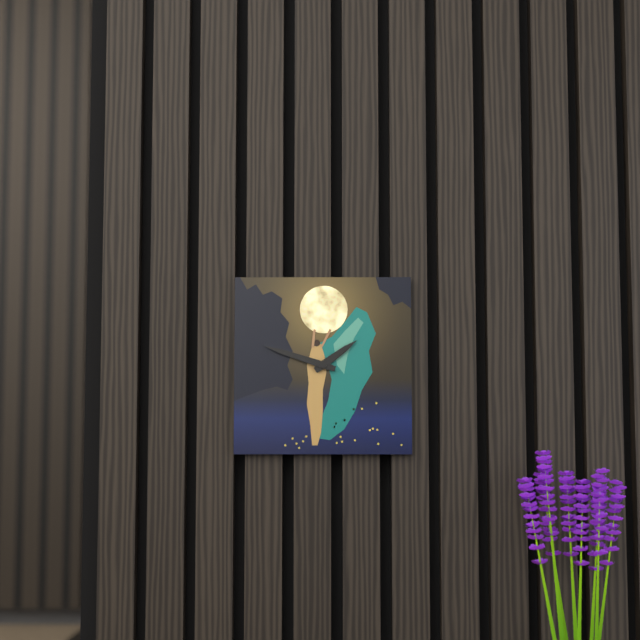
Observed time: 1:48
